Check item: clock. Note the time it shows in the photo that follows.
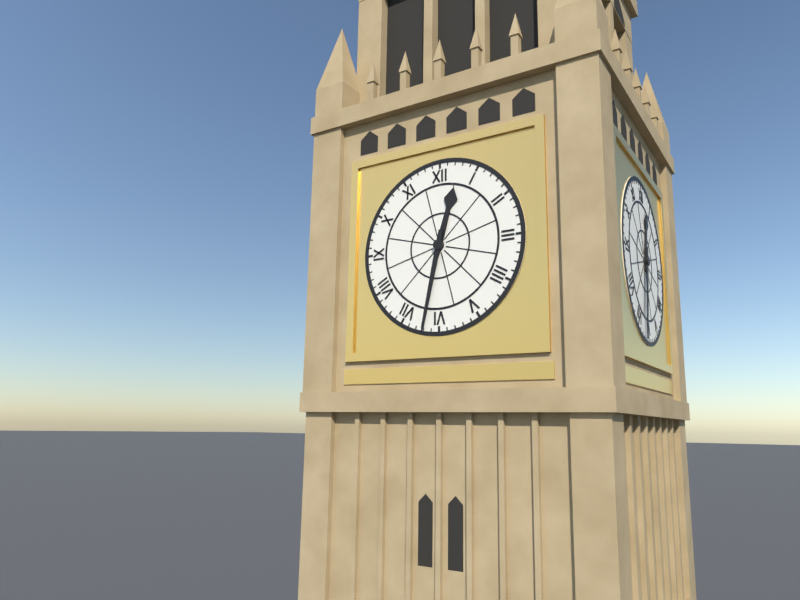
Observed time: 12:32
